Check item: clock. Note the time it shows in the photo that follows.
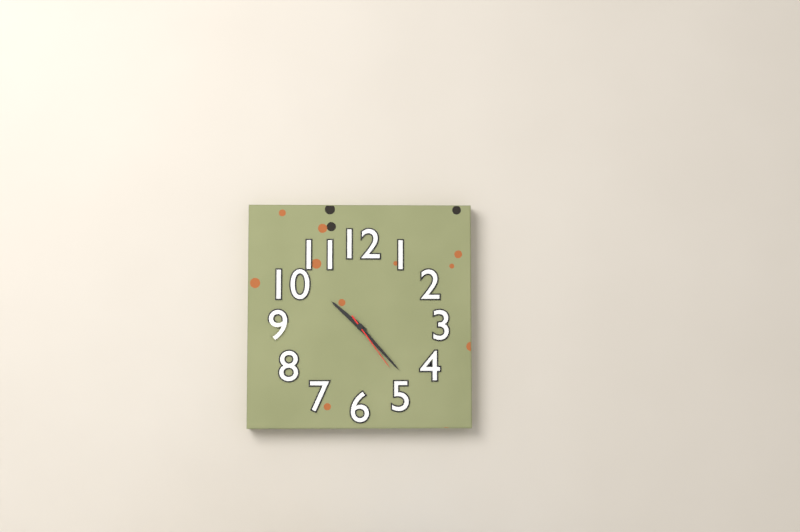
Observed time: 10:23:24
